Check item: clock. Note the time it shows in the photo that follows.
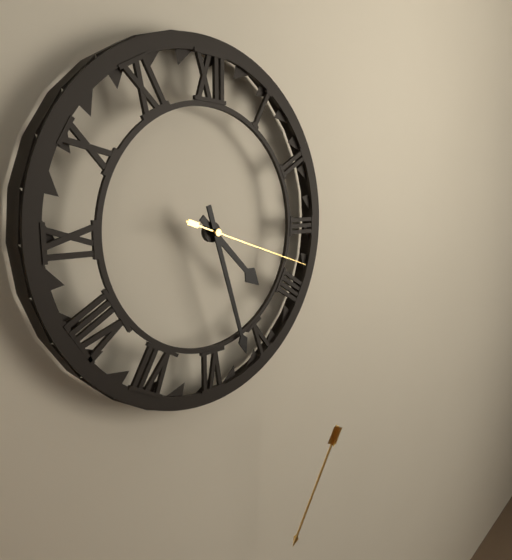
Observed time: 4:27:18
